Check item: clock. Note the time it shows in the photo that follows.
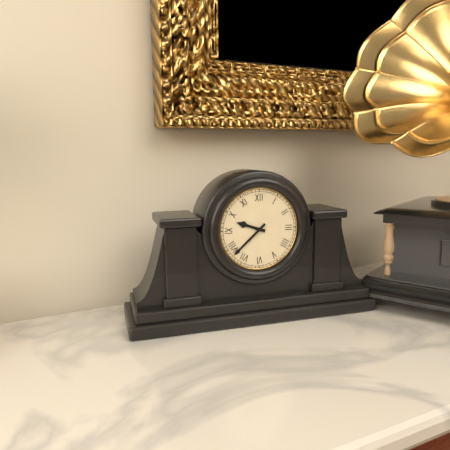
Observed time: 9:38
